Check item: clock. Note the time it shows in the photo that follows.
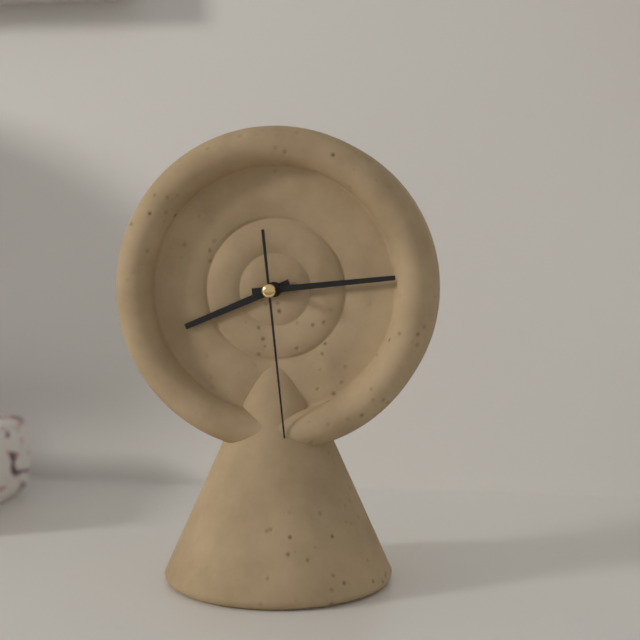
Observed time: 8:14:29
